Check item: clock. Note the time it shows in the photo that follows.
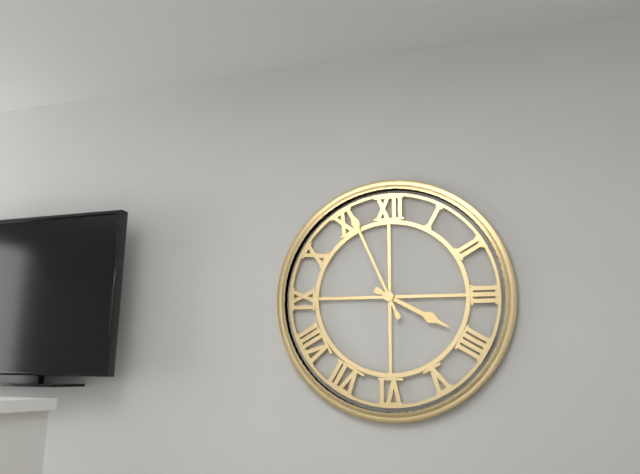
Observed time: 3:56
